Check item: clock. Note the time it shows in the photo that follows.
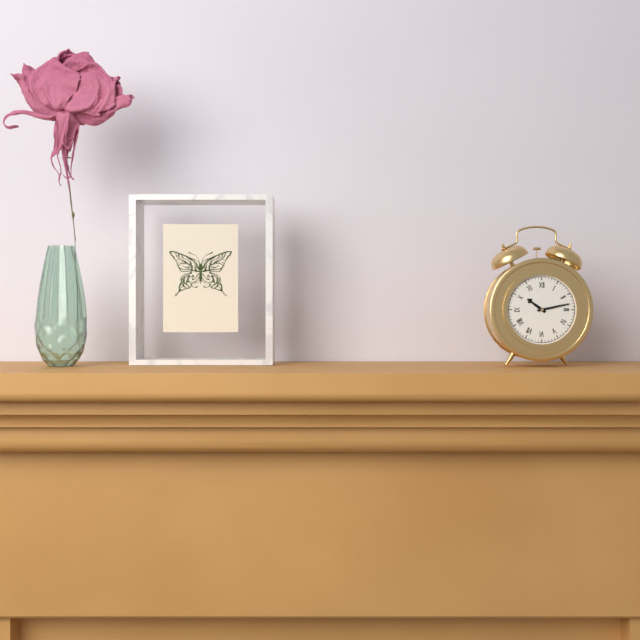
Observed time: 10:13
